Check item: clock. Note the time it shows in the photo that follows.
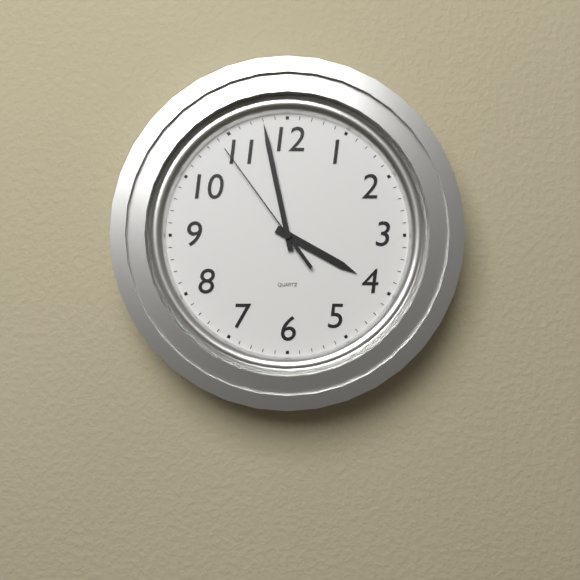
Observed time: 3:58:54
